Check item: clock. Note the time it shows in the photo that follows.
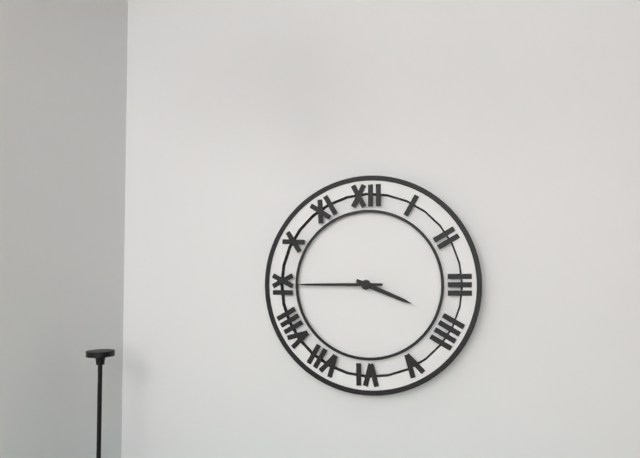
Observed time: 3:45
